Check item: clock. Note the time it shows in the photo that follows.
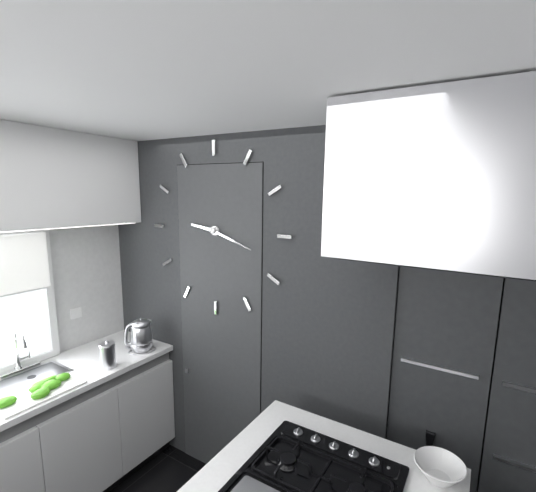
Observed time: 9:18
